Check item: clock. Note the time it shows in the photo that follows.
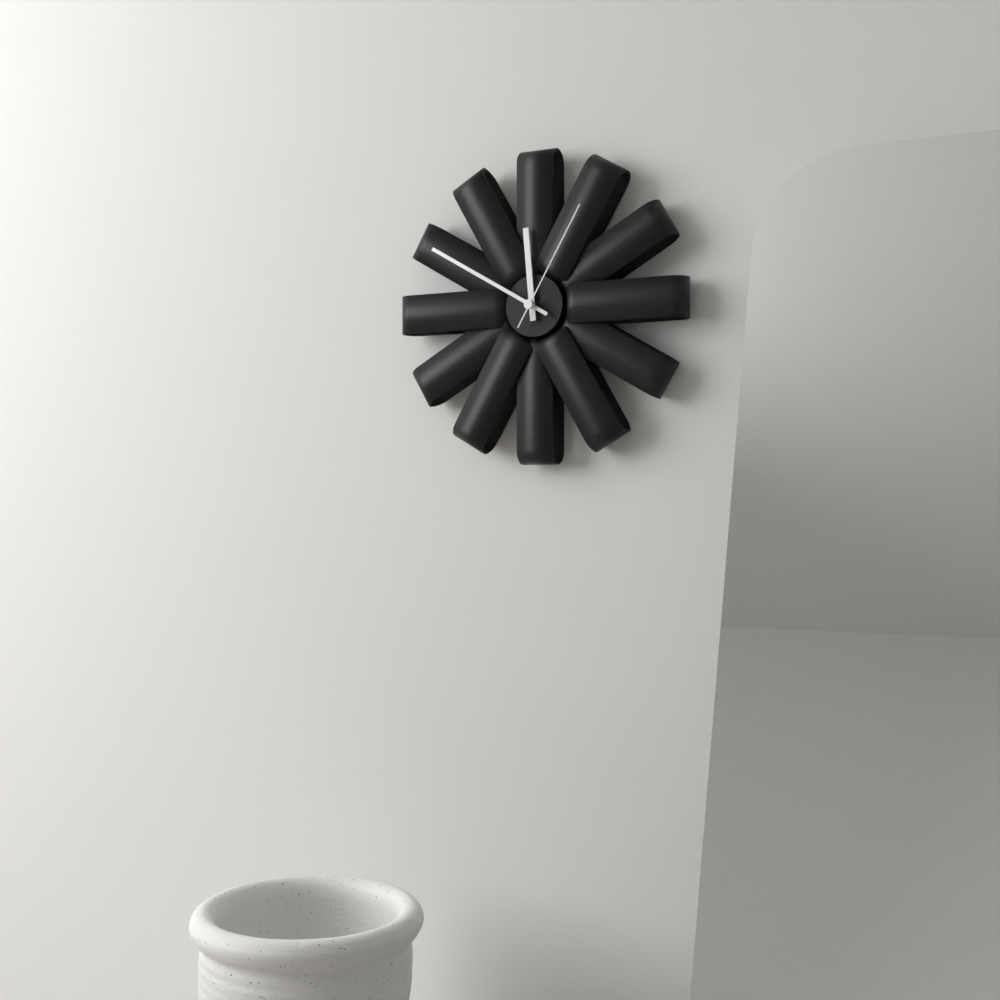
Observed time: 11:50:05
